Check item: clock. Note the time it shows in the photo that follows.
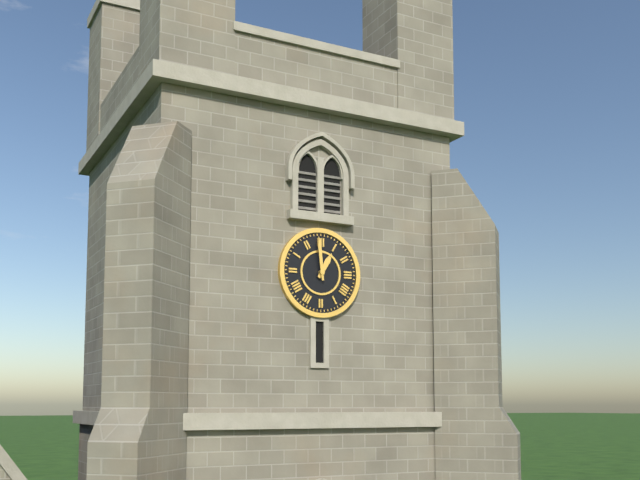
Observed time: 12:59
